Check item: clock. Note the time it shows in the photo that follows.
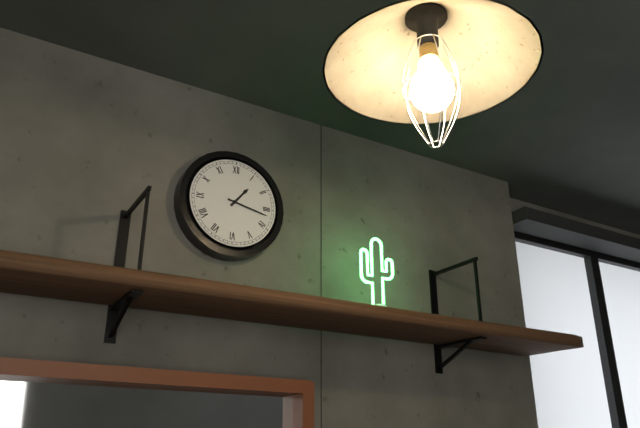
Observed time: 1:17
